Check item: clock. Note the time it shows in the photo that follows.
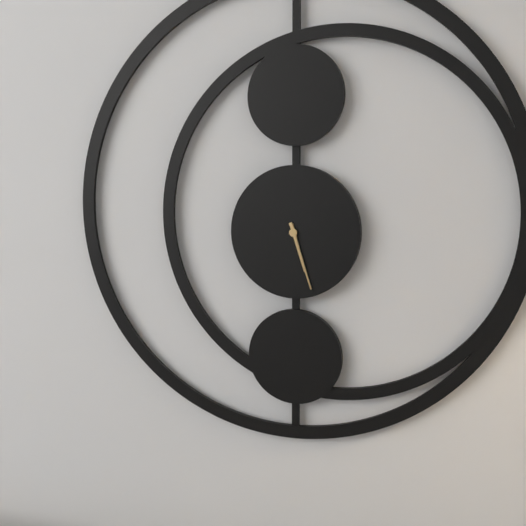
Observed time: 5:27
